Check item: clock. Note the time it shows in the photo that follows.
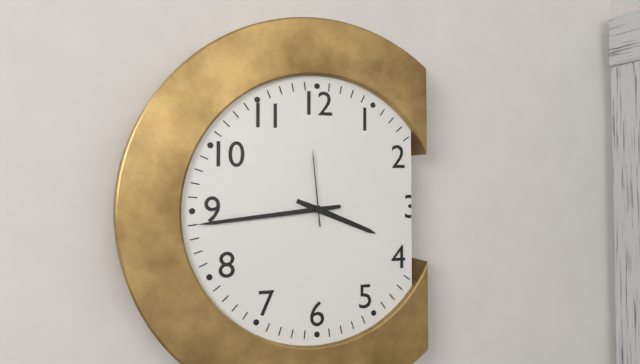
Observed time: 3:44:59
